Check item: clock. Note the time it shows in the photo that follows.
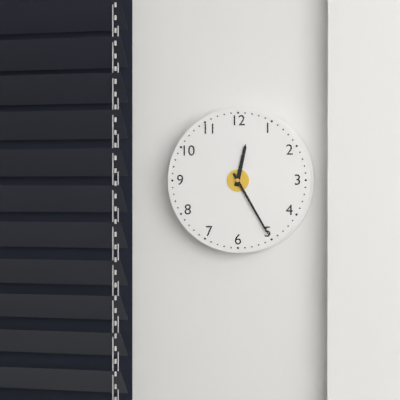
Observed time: 12:25
